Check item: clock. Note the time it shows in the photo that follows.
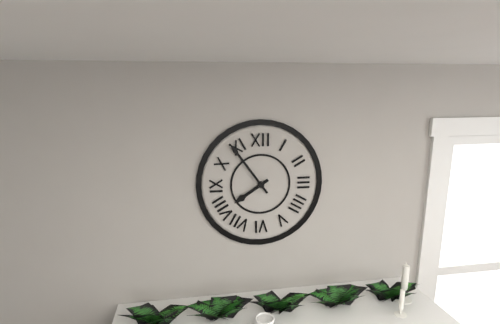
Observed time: 7:54
